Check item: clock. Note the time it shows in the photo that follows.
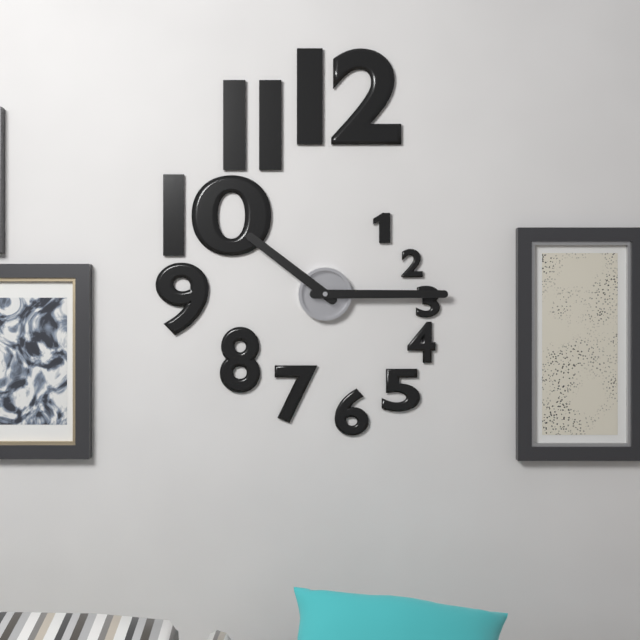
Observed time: 10:15
